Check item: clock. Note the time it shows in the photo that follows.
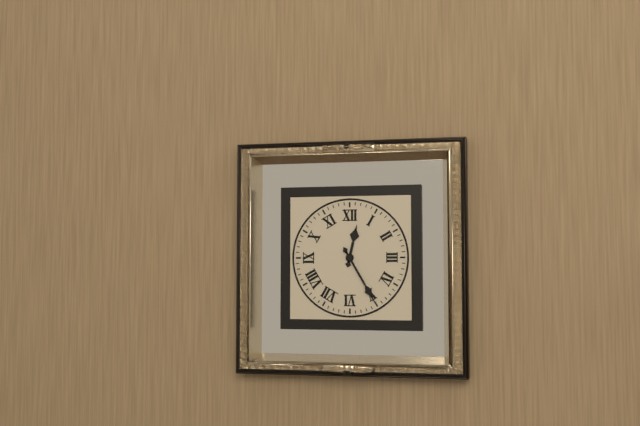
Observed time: 12:25
